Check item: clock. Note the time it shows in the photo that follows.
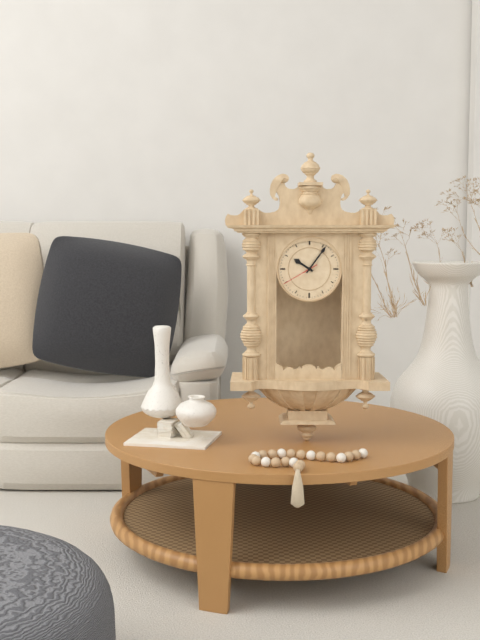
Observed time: 10:06
